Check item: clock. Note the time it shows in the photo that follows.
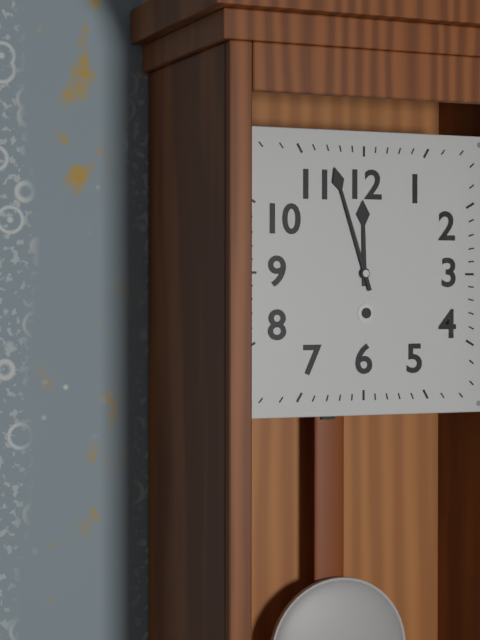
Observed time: 11:57
